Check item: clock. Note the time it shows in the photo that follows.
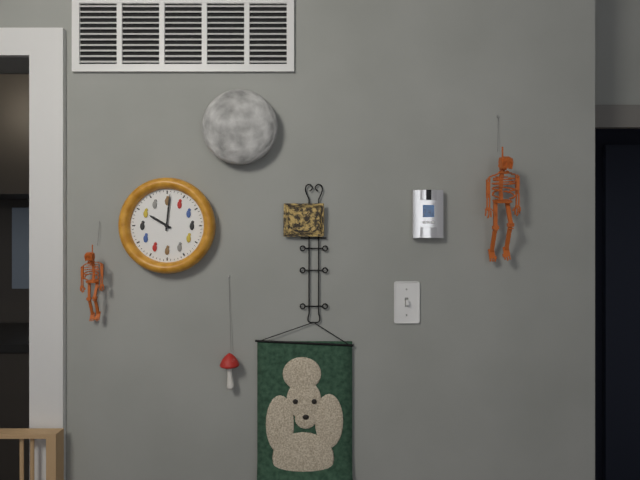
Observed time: 10:01
